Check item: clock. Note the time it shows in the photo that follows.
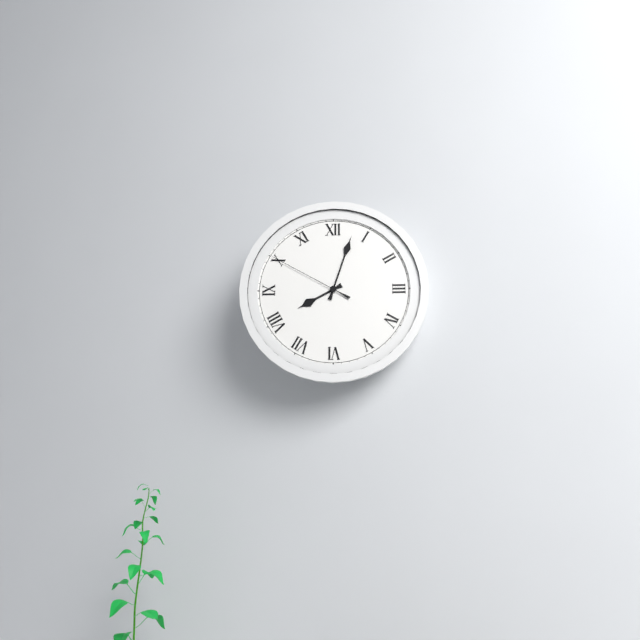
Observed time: 8:03:50
